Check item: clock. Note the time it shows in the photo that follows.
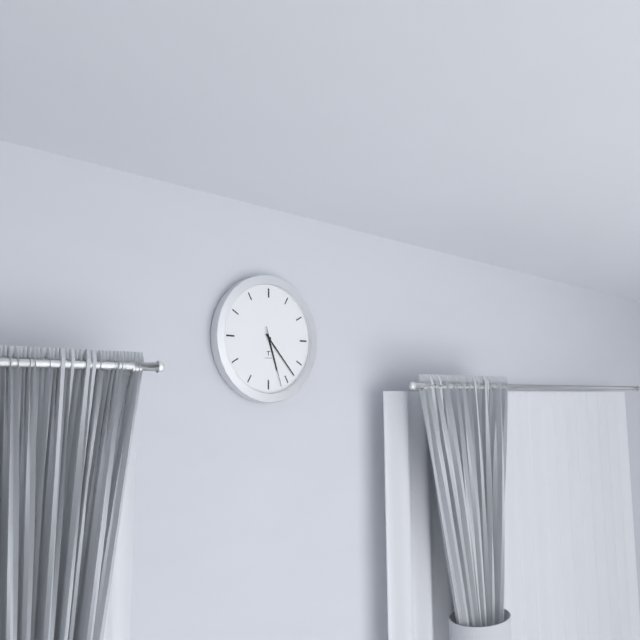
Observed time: 5:23:27
